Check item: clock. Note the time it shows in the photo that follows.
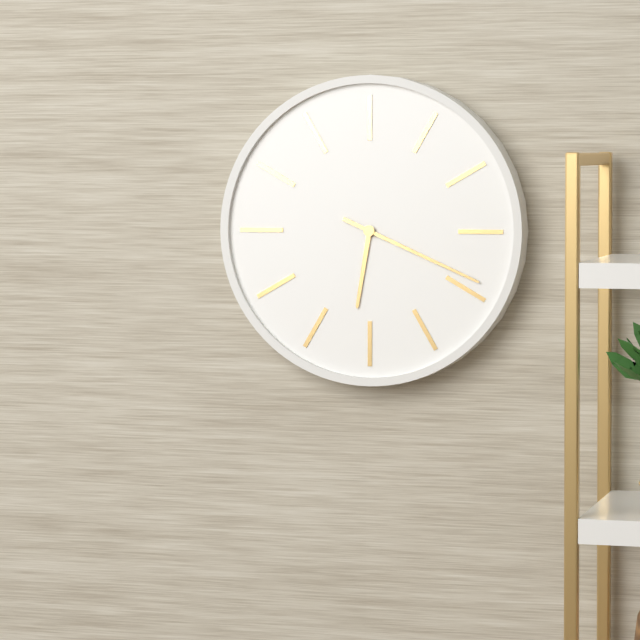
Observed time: 6:19
